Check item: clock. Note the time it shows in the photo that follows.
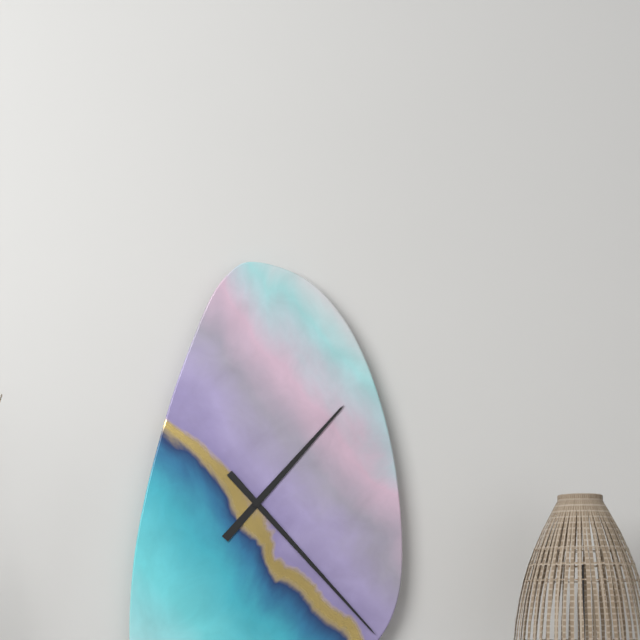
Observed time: 1:23
